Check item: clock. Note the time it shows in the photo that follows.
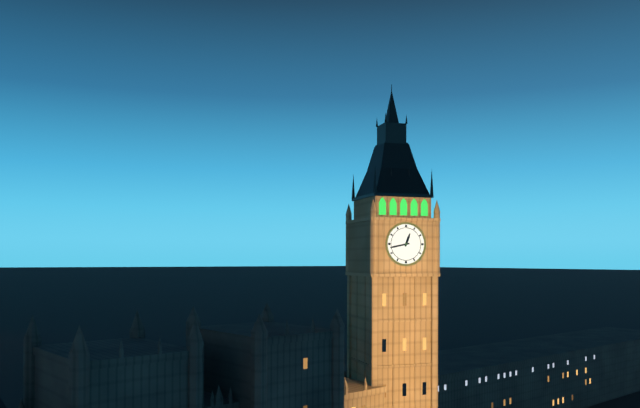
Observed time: 12:43
